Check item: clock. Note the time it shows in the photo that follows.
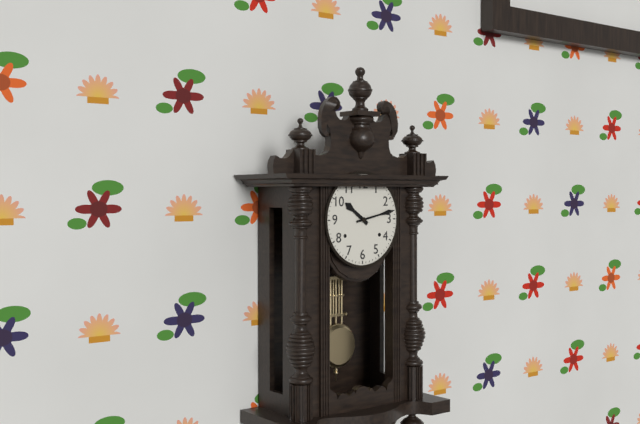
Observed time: 10:13
